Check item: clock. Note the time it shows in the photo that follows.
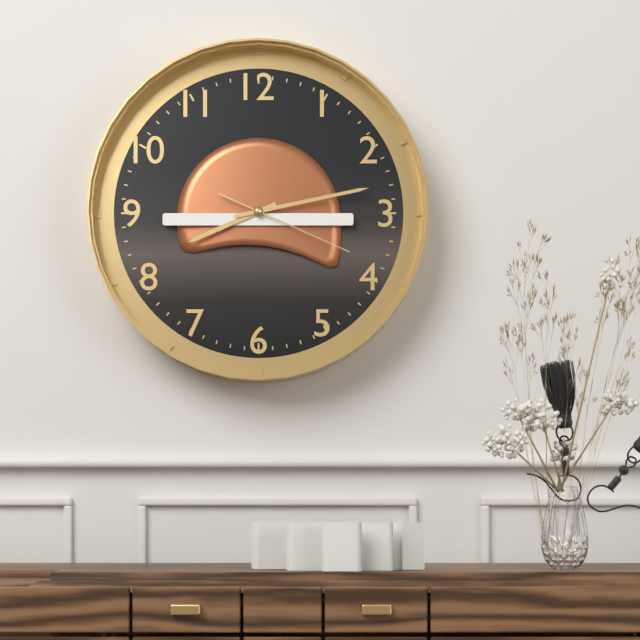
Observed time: 8:13:19
